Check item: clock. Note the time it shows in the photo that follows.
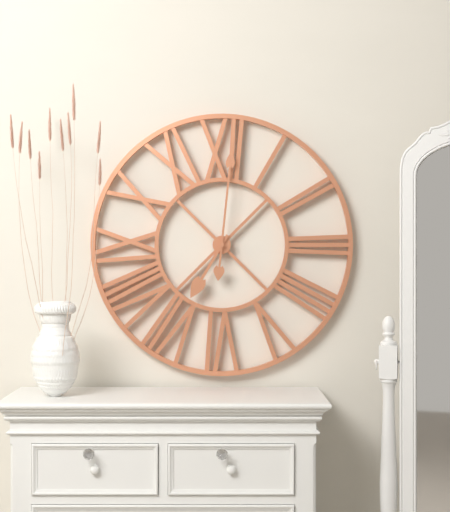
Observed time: 7:01
